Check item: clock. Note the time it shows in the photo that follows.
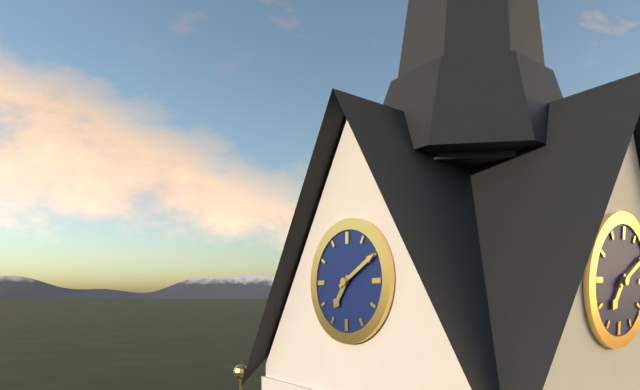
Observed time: 7:10
